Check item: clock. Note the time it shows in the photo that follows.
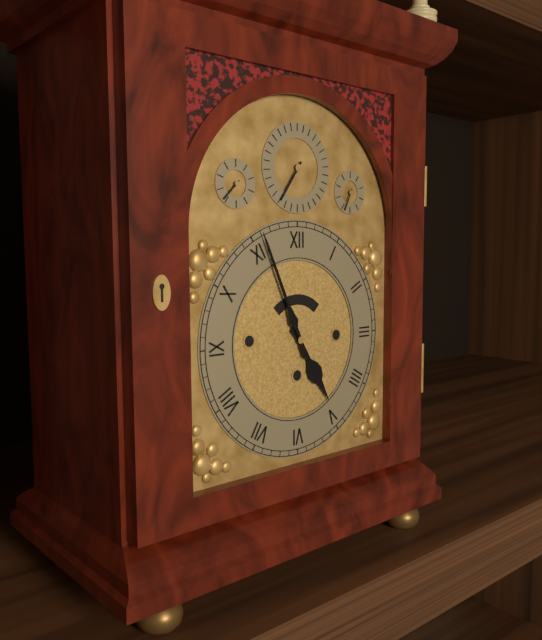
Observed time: 4:56
